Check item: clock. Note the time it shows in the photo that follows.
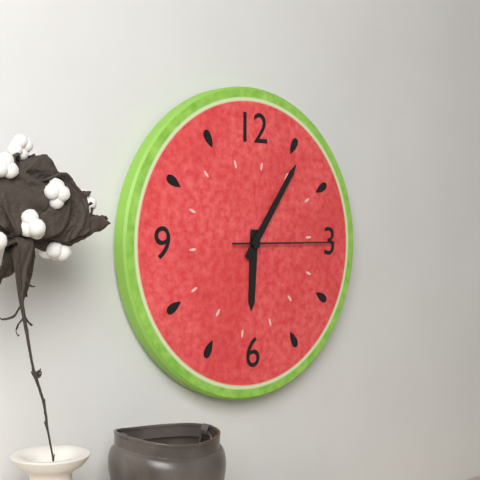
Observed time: 6:06:15
